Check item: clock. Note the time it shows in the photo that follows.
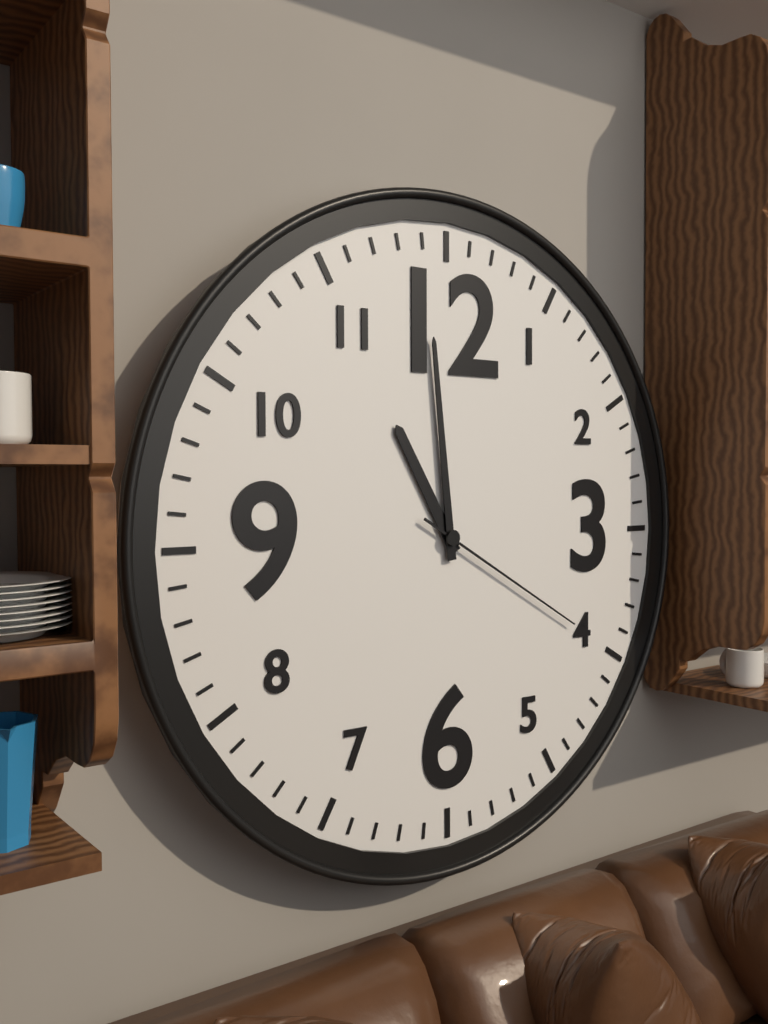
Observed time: 10:59:20
